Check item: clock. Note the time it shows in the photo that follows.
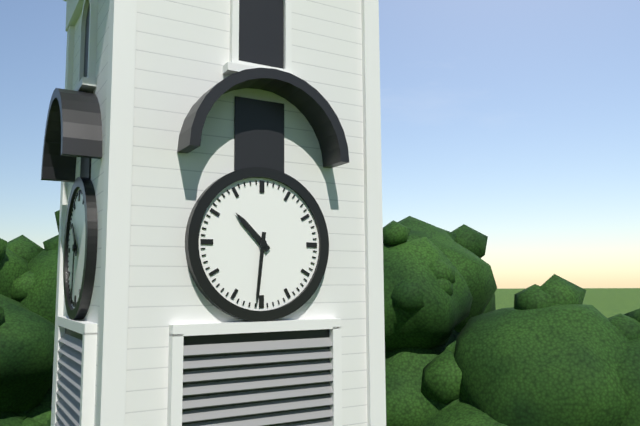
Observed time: 10:31
